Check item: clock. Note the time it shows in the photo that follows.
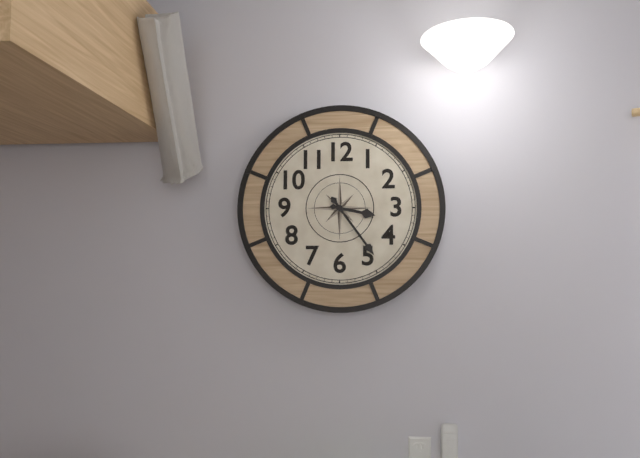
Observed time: 3:24
